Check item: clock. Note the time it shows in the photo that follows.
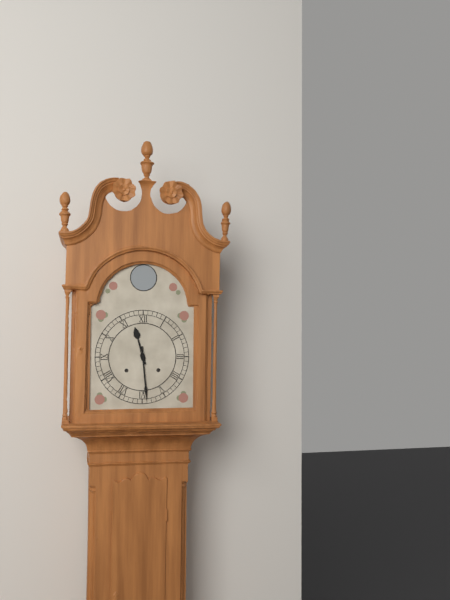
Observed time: 11:29
